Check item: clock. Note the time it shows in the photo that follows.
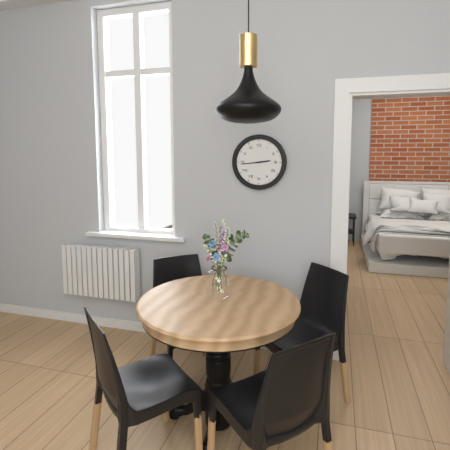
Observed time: 2:44
